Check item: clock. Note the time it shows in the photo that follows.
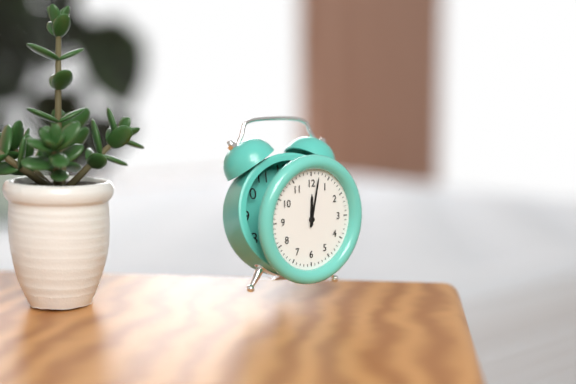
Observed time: 12:02
